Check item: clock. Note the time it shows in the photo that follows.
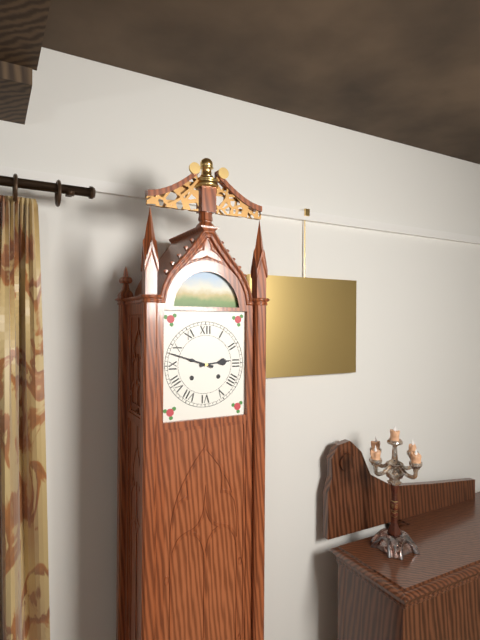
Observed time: 2:48
